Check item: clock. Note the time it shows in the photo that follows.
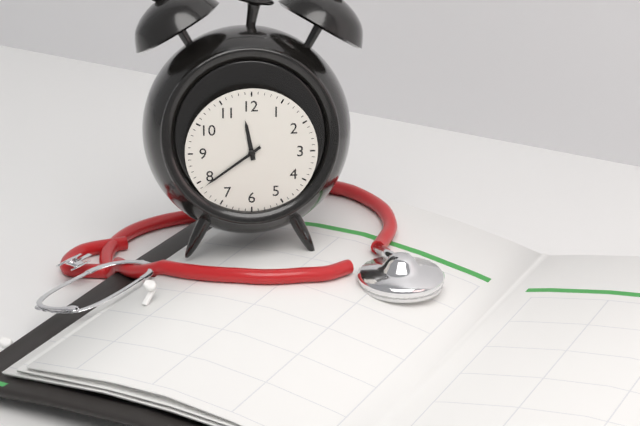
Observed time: 11:39
